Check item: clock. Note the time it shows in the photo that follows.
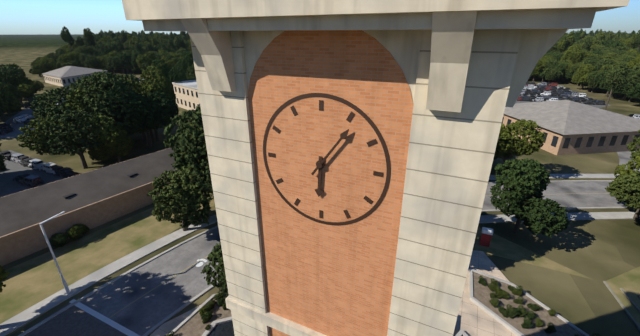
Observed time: 6:06
